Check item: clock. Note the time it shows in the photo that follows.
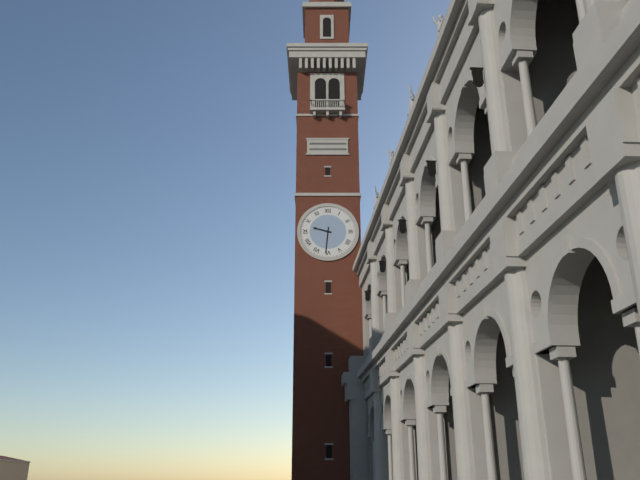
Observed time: 9:31
